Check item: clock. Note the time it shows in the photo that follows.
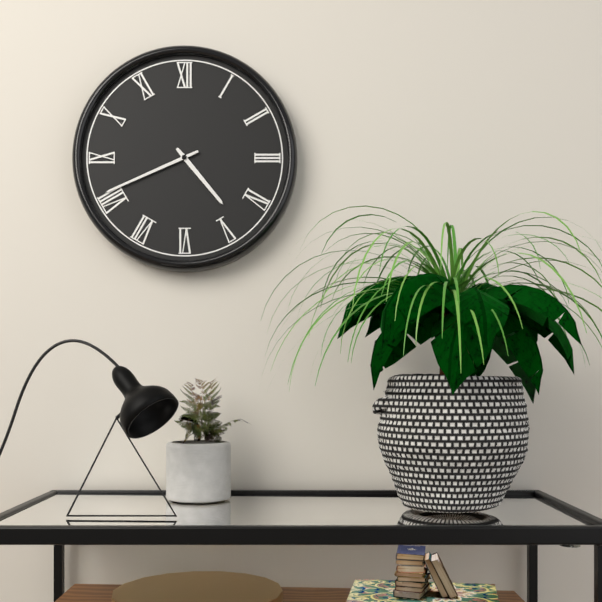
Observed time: 4:41
